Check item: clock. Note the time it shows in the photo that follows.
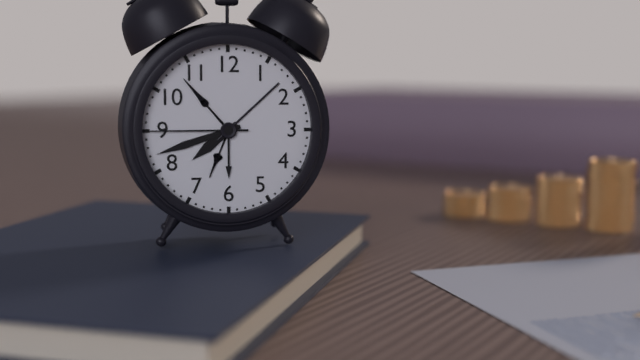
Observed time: 7:42:45
